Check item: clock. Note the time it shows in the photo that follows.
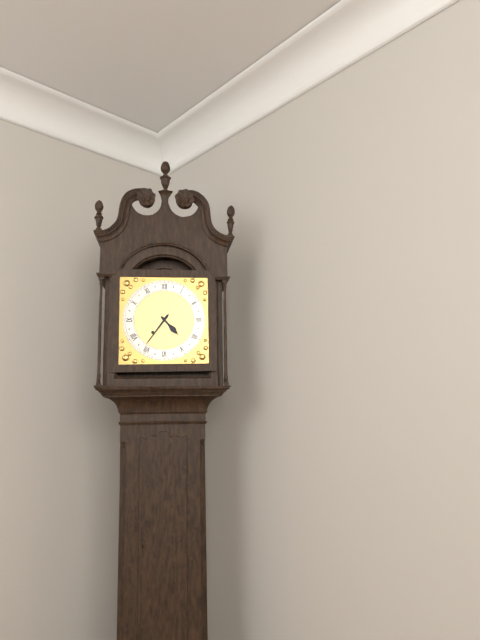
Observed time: 4:36
